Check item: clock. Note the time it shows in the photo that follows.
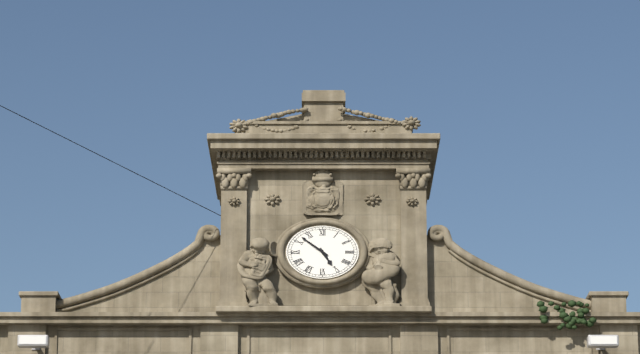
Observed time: 4:51
